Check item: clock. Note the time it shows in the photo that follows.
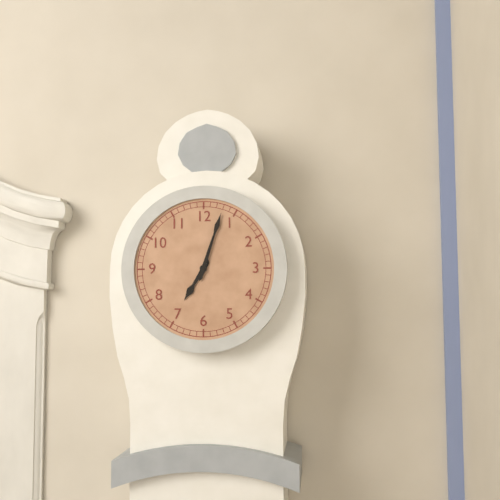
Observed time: 7:03
